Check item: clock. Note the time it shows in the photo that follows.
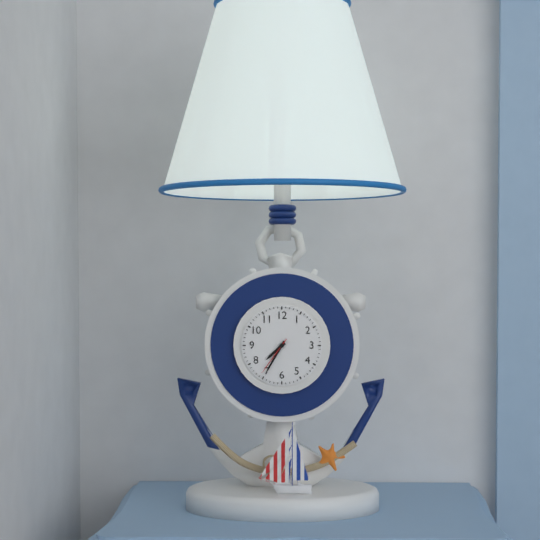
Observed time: 7:35
